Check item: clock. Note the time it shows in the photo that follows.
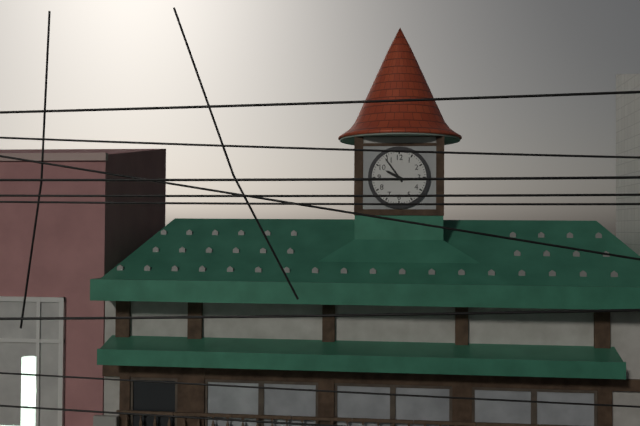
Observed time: 9:54
